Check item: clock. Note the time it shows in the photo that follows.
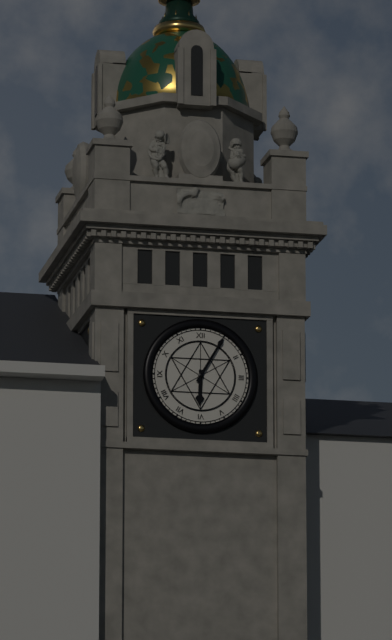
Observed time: 6:05
